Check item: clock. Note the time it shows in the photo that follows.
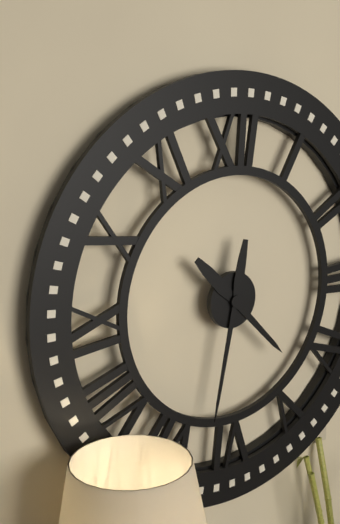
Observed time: 4:32
